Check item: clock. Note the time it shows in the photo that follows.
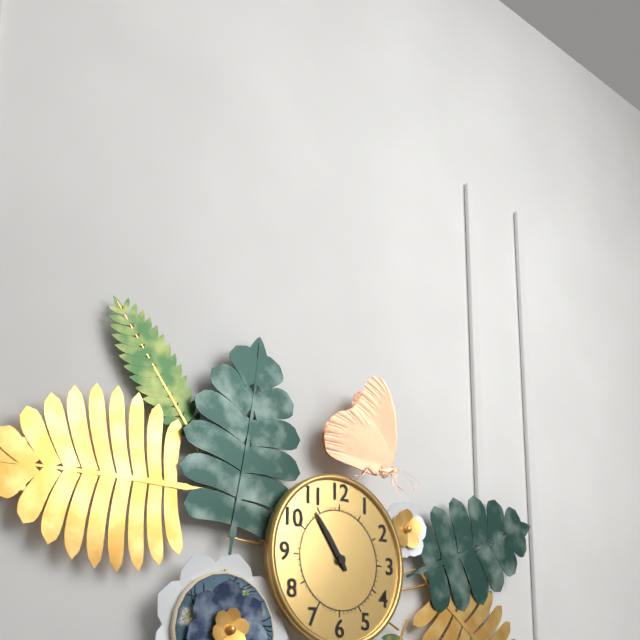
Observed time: 10:54
